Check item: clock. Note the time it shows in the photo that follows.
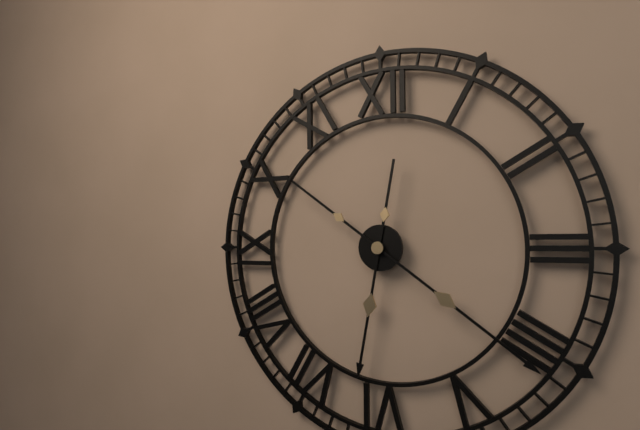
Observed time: 6:21
